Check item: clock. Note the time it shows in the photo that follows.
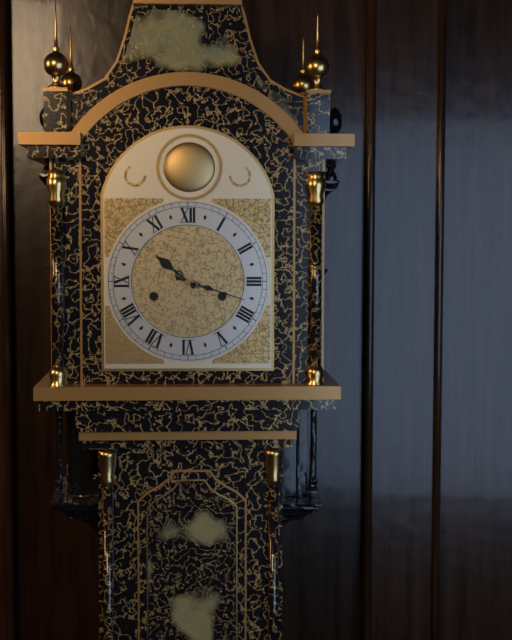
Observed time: 10:18
